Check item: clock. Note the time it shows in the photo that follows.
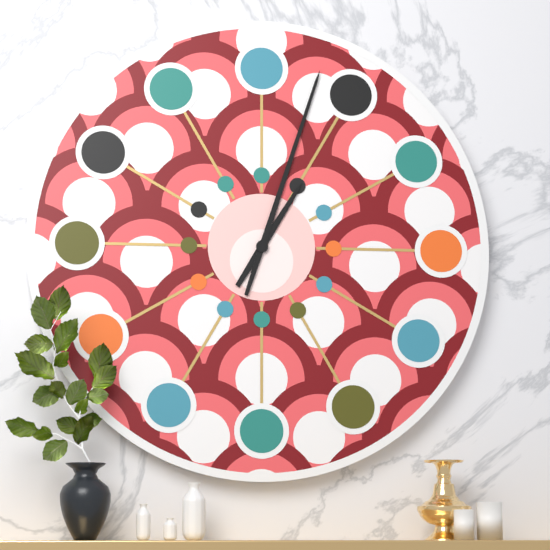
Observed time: 1:03
